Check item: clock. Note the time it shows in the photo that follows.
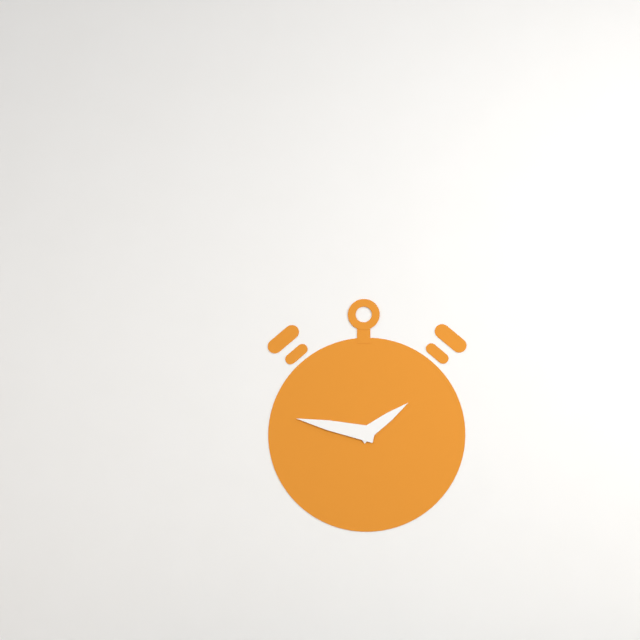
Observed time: 1:47
